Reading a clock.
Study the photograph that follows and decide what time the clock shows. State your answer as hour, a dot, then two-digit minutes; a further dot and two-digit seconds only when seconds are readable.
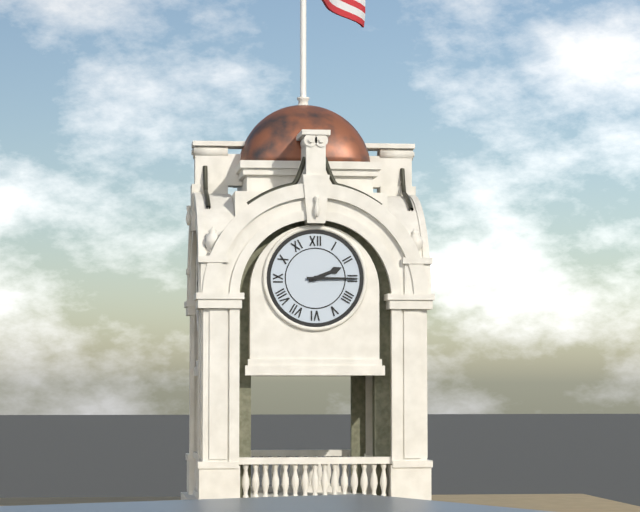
2.15
